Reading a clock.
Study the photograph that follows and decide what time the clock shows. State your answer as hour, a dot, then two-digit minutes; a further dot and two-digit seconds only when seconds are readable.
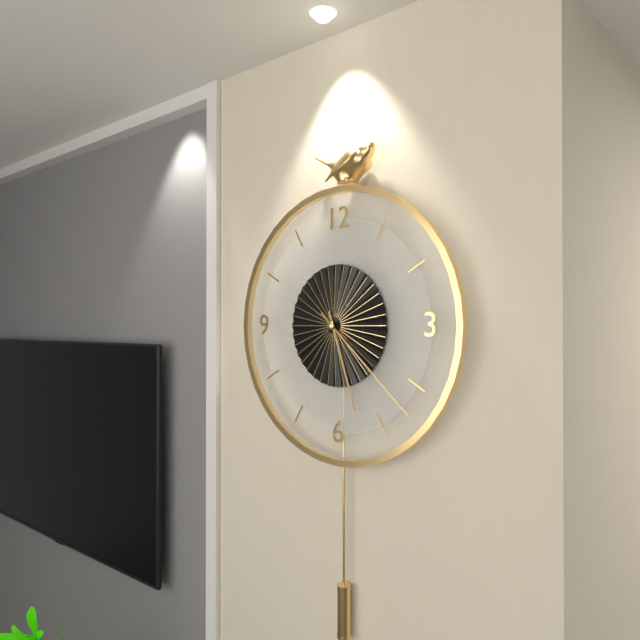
5.22
